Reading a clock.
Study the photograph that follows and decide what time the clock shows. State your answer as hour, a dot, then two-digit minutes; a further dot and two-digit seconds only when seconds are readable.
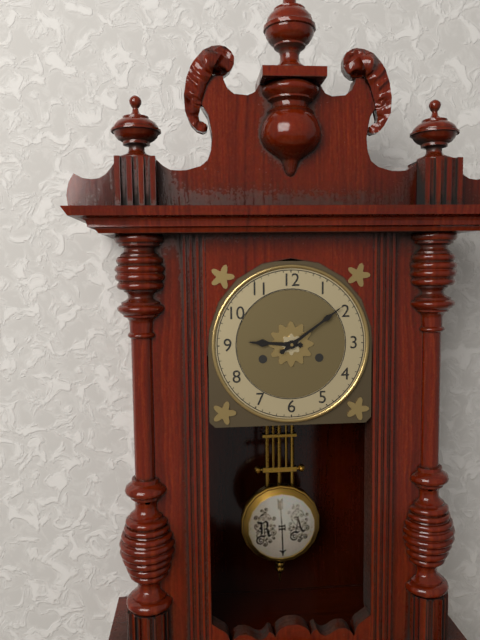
9.09
